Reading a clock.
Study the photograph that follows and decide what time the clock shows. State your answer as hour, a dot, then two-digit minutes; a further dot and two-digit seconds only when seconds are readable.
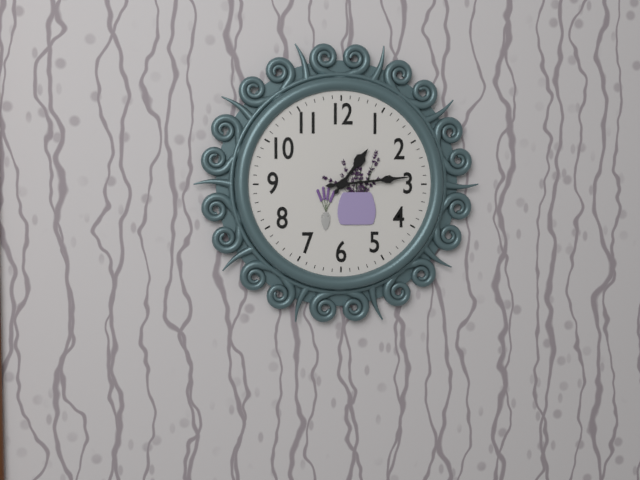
1.14
